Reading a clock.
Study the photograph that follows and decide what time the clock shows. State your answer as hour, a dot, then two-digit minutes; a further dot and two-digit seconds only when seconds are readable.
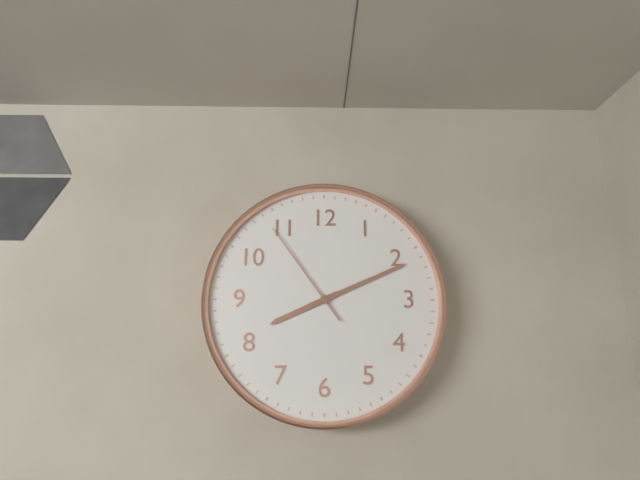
8.11.54
